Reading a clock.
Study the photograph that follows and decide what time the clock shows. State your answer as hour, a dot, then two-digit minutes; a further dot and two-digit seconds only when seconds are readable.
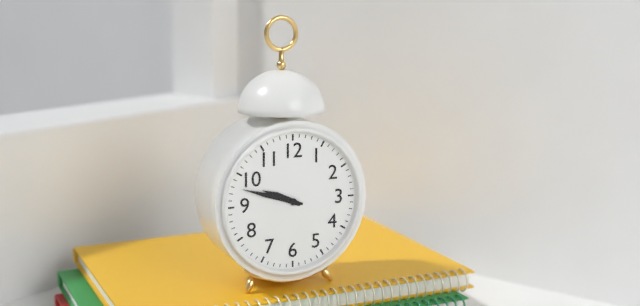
9.48
